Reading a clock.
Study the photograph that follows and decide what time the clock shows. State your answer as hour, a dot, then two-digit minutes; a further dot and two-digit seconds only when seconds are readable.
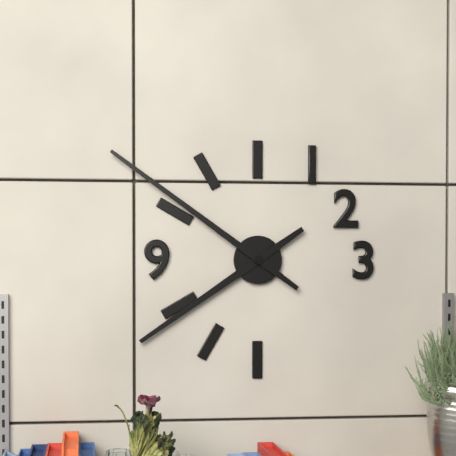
7.51
